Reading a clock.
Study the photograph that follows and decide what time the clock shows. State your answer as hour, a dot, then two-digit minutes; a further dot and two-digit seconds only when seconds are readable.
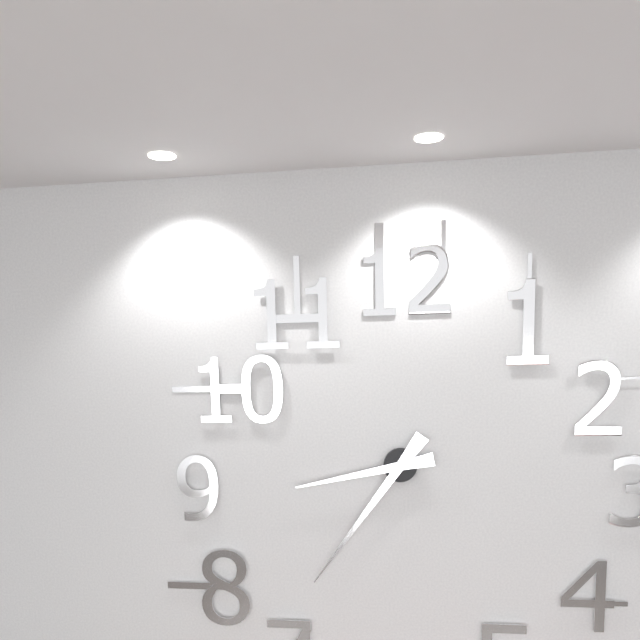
8.36
